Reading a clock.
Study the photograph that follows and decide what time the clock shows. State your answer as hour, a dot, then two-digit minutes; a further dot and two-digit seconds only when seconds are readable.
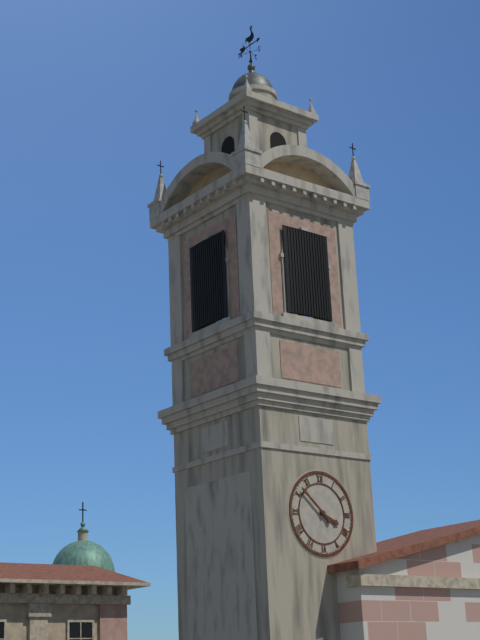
3.52
